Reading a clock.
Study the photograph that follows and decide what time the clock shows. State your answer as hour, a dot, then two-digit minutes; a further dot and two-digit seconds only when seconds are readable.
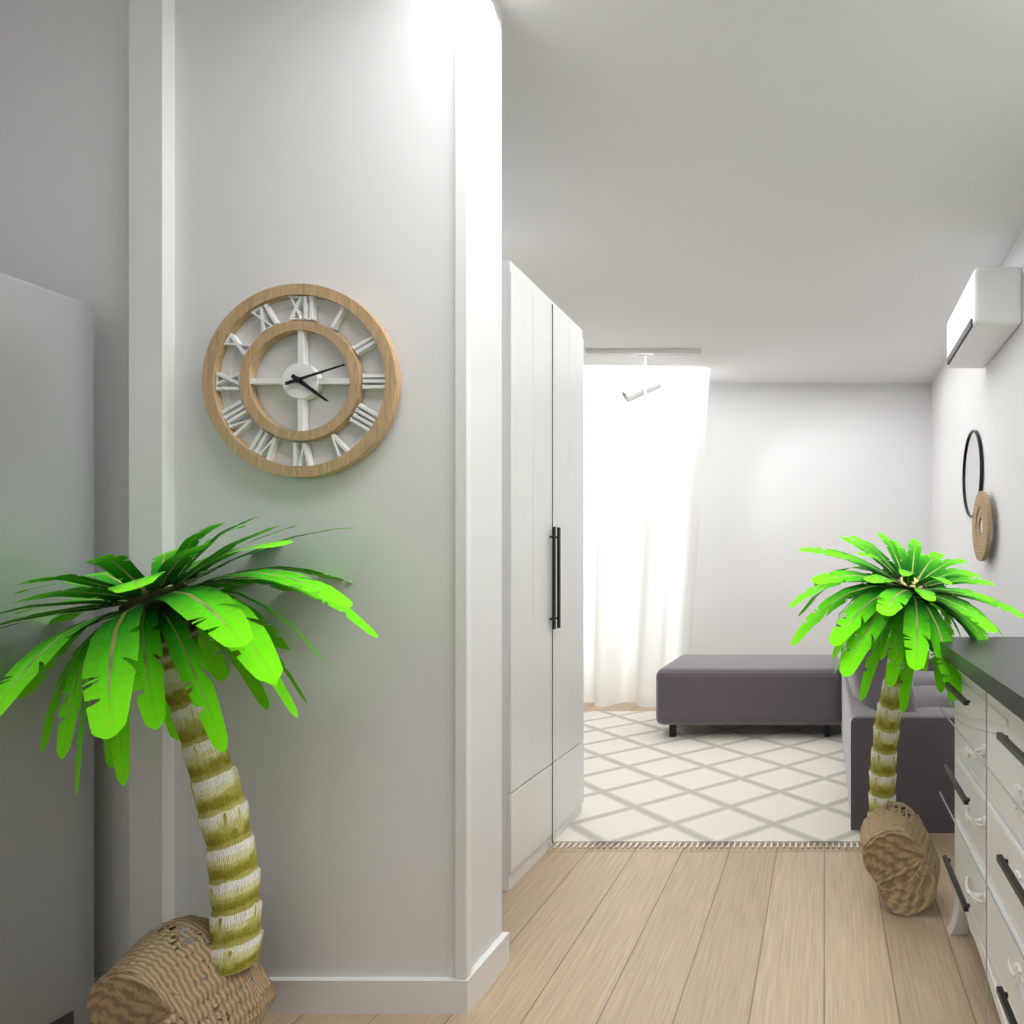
4.12
